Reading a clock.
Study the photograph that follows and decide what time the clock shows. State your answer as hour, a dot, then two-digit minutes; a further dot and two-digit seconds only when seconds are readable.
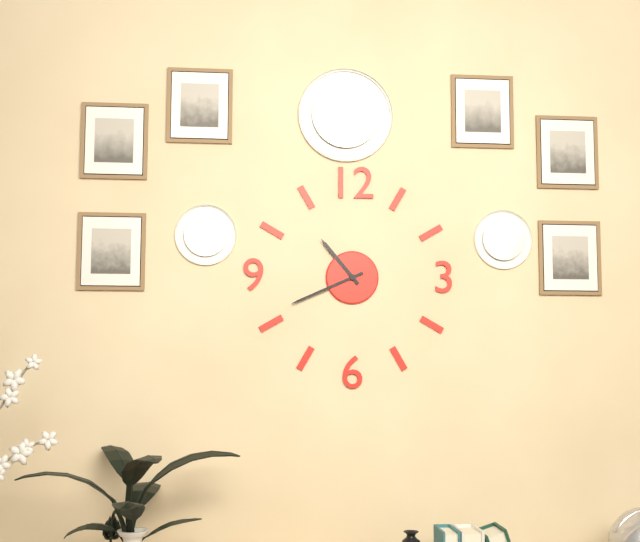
10.41
